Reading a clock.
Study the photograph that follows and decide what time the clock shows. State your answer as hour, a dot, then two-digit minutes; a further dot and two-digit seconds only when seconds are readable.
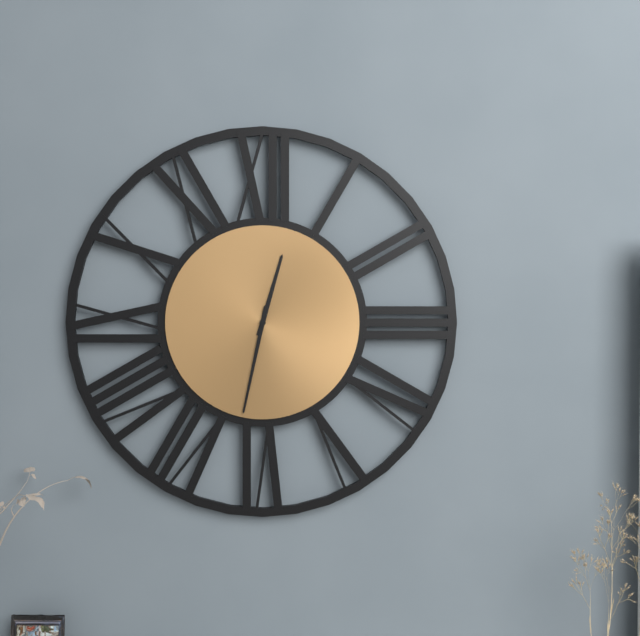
12.32
